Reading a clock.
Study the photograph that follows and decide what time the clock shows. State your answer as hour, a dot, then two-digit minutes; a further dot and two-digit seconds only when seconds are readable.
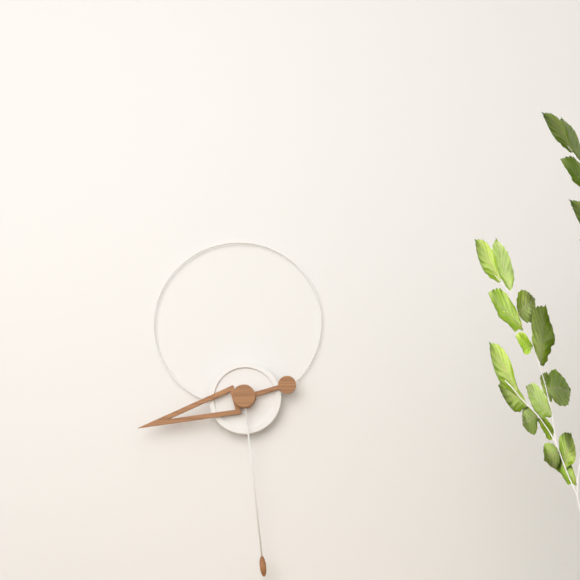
8.29
